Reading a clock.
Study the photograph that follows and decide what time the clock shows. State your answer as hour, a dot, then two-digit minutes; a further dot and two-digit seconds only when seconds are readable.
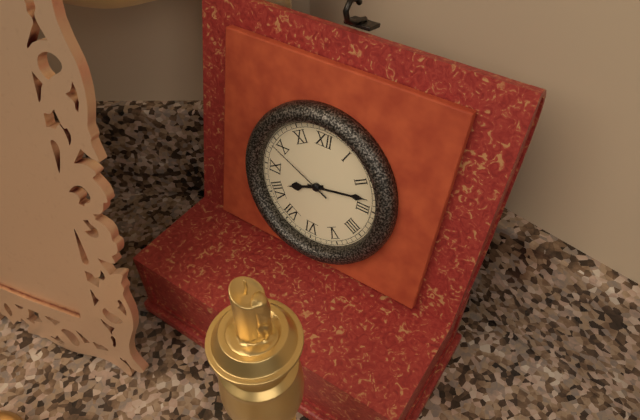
8.13.49
